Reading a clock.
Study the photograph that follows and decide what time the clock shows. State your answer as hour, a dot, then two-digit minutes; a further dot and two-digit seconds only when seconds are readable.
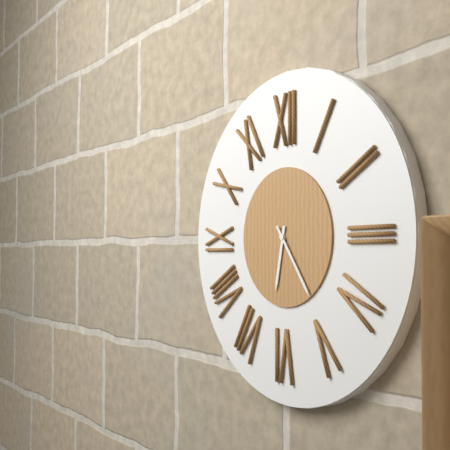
6.24
